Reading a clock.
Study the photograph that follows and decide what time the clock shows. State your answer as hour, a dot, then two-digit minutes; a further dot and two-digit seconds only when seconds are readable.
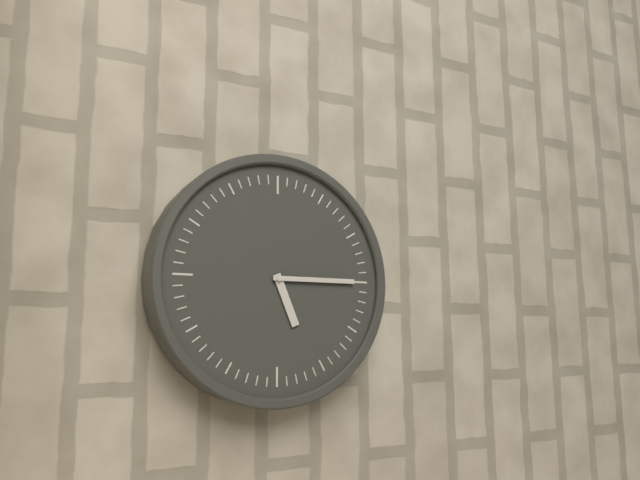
5.15
